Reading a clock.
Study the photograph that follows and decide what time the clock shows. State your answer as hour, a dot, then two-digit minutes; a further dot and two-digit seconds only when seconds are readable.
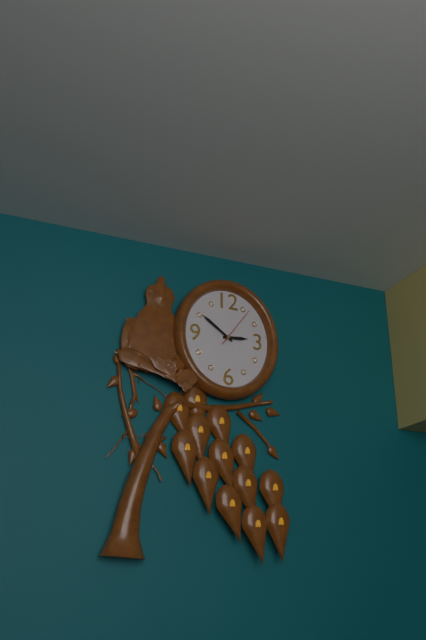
2.51
